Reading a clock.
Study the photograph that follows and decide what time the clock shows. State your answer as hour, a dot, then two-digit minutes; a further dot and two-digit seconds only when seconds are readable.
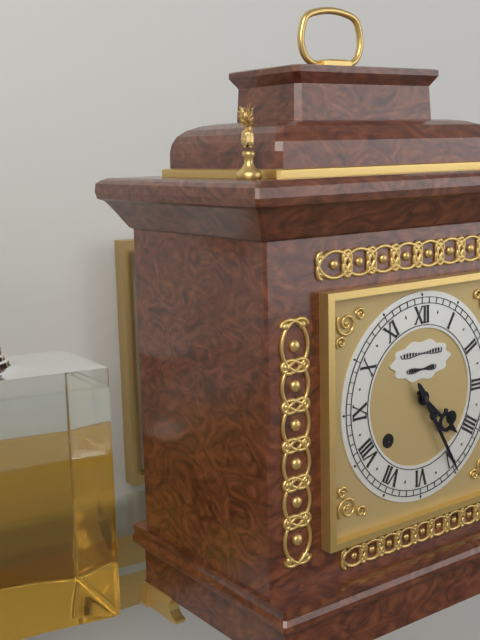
4.25
